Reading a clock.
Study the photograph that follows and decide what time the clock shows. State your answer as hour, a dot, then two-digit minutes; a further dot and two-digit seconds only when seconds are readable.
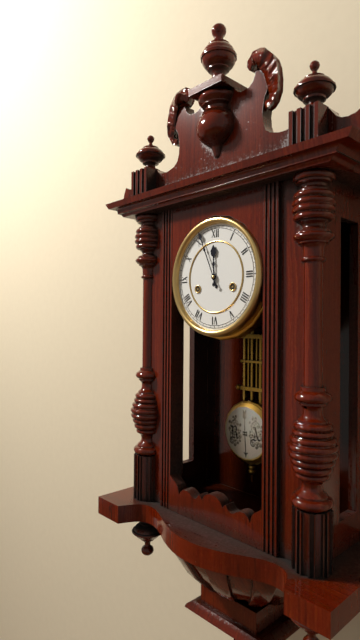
11.56
